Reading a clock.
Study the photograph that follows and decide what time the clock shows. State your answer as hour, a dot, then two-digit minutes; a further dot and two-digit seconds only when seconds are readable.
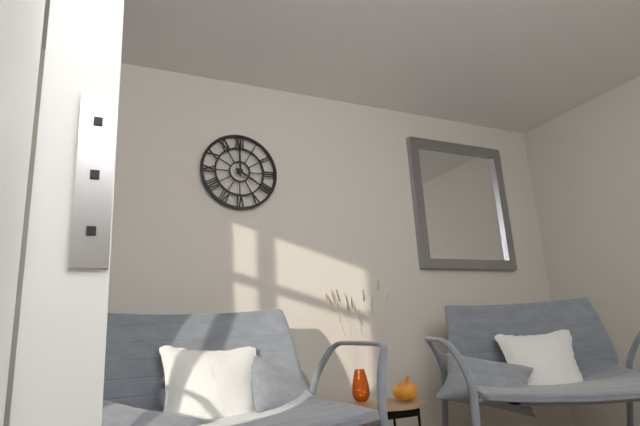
4.00
